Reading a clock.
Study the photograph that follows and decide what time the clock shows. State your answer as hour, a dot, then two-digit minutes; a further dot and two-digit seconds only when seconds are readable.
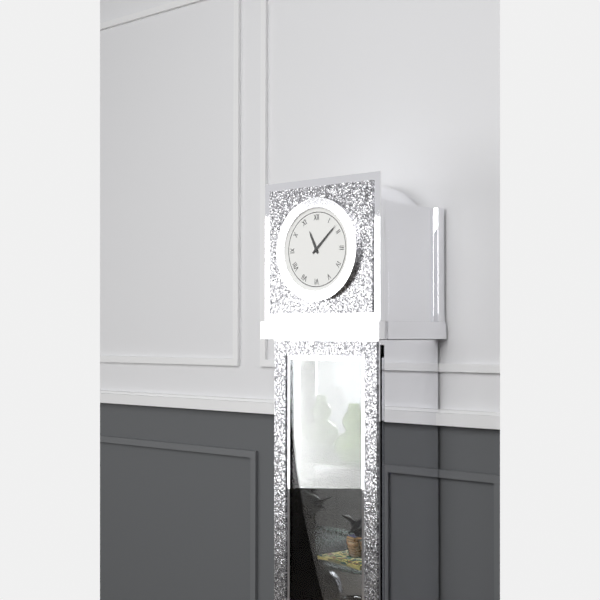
11.08
